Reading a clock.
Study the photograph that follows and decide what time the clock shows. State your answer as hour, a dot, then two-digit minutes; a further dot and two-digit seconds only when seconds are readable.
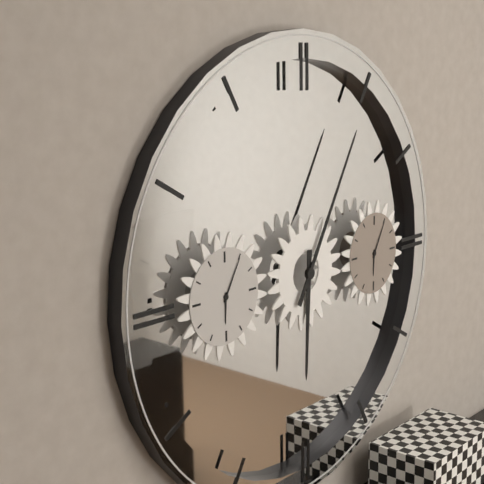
6.05
